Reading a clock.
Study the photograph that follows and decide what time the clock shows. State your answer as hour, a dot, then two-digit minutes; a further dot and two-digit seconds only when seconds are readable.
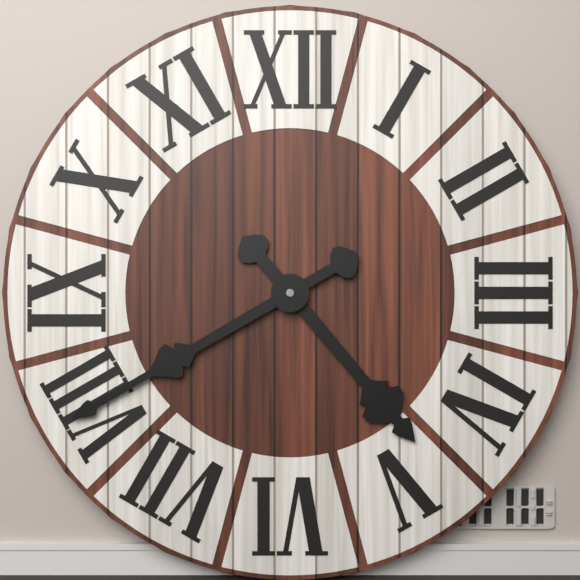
4.40
